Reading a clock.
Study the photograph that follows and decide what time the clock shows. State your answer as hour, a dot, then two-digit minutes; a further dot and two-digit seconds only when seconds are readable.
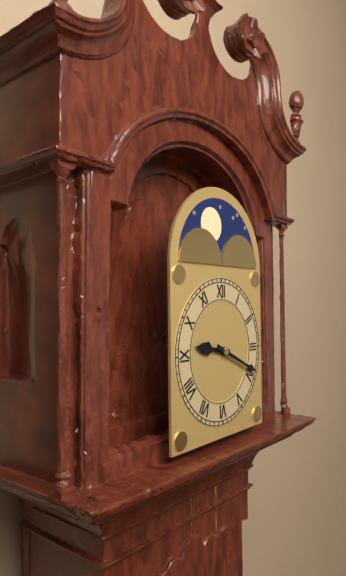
9.19
